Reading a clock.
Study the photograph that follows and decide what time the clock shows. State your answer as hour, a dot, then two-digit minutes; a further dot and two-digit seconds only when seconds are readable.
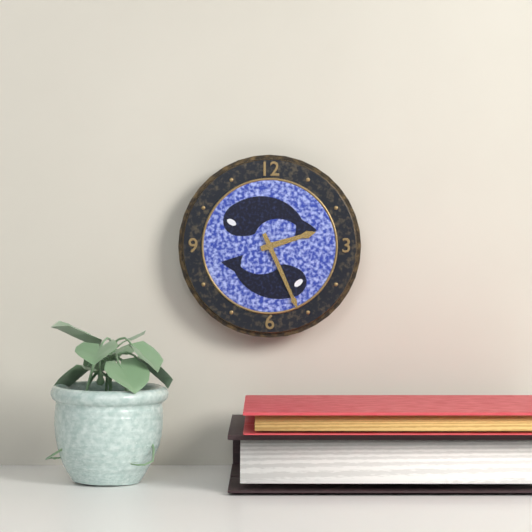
2.26
